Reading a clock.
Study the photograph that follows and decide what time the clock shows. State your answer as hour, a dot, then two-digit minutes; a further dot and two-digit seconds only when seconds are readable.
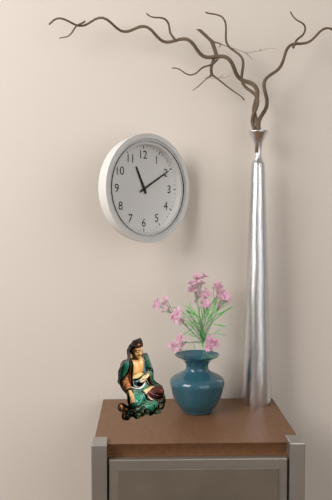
11.10
